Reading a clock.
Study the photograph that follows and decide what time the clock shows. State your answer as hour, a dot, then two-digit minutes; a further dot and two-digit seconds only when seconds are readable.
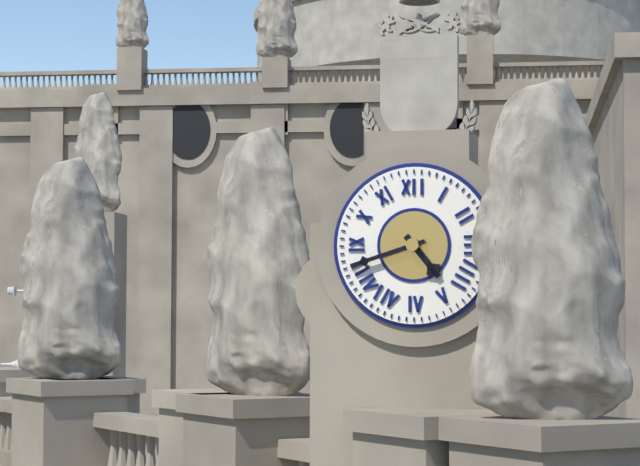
4.42
